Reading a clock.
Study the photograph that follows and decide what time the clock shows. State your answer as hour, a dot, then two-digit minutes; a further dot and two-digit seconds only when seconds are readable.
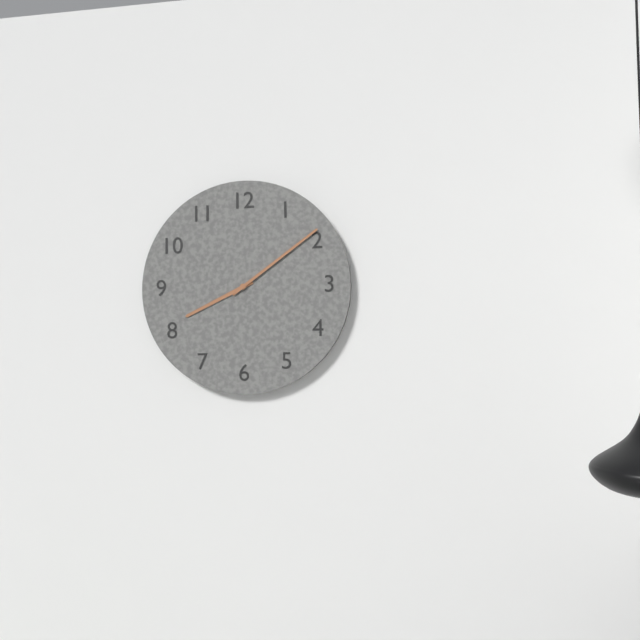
8.09
